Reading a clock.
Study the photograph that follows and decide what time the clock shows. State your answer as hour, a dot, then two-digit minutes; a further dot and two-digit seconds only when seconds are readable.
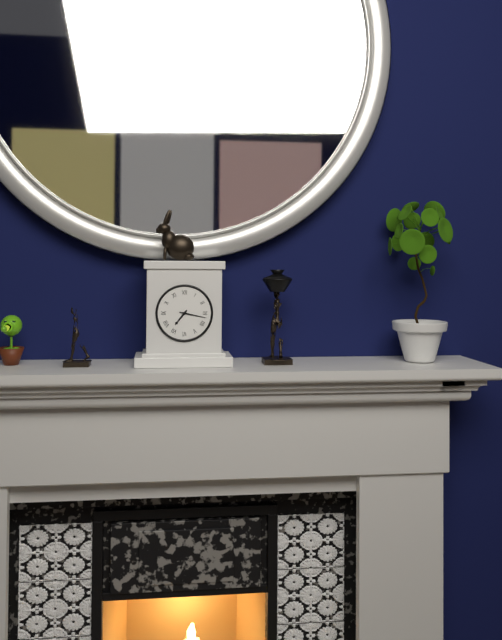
7.17
